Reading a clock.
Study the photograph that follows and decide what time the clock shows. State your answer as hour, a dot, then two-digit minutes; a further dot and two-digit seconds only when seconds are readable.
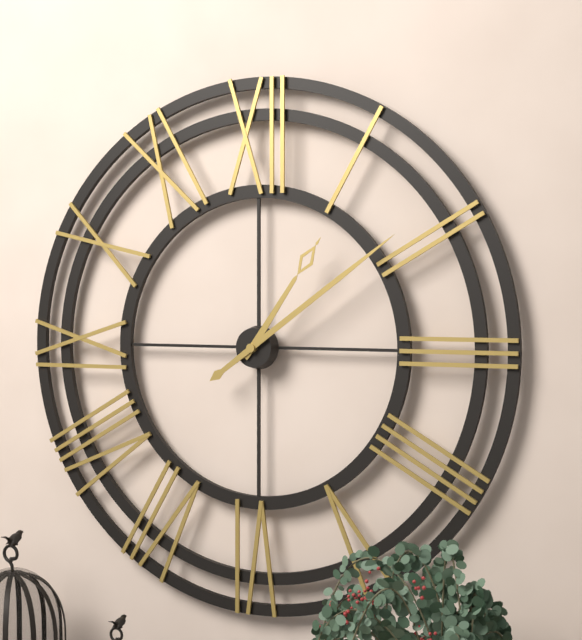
1.09
